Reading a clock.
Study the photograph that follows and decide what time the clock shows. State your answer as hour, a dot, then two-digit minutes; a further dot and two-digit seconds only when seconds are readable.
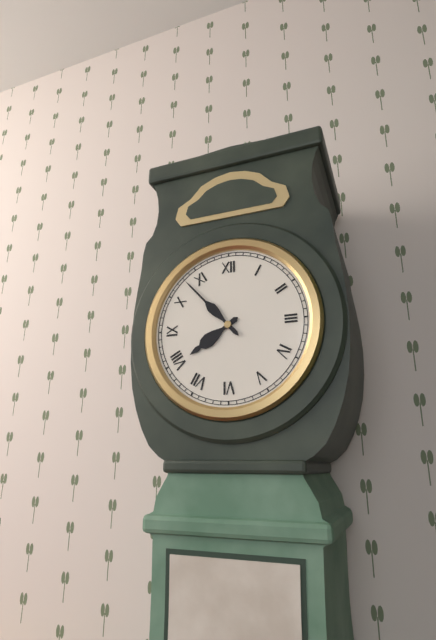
7.53
